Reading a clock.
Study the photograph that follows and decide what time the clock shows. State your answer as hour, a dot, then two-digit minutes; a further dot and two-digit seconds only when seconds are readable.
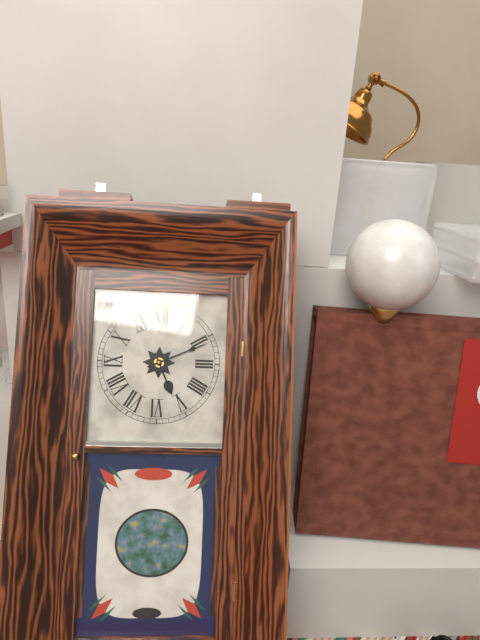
5.11
